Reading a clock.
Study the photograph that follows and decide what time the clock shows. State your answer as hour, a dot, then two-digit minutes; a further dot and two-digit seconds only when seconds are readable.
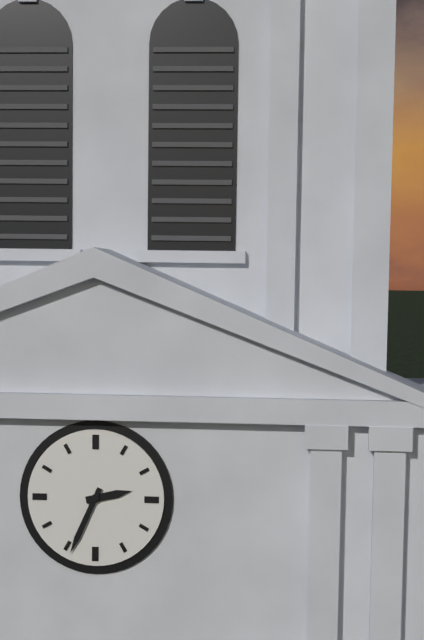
2.34
